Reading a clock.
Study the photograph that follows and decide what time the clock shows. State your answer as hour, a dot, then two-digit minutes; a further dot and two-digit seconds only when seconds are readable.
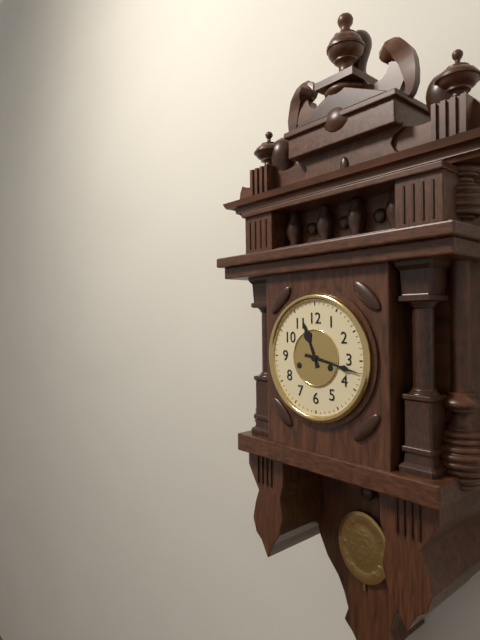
11.17
